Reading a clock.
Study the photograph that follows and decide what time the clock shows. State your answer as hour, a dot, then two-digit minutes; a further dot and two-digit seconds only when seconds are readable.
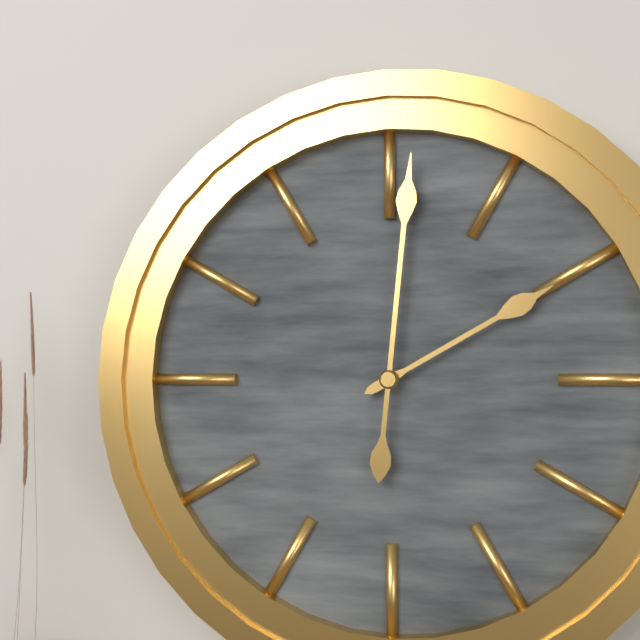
2.01
